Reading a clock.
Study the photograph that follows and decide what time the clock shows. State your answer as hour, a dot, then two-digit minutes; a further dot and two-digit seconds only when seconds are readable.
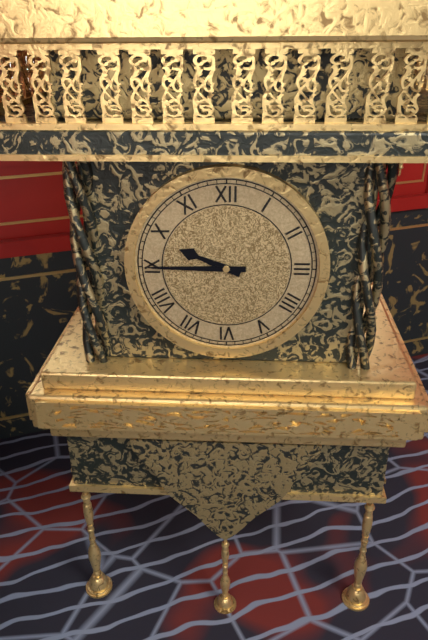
9.45
